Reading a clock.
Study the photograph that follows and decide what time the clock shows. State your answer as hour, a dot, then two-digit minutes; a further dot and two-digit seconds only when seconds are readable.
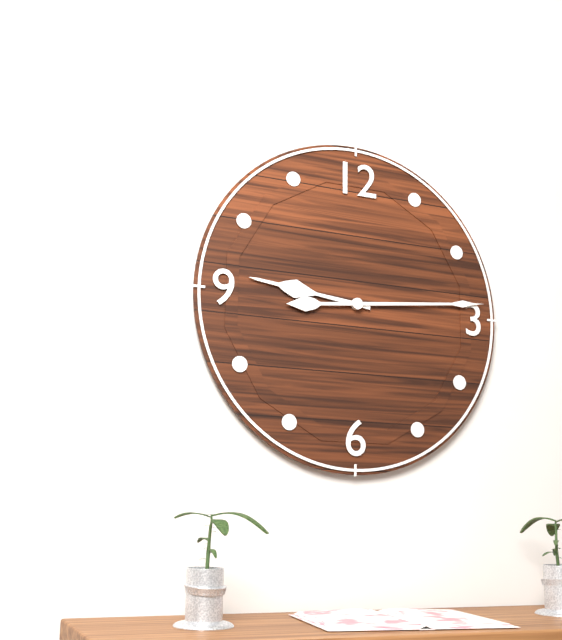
9.14
